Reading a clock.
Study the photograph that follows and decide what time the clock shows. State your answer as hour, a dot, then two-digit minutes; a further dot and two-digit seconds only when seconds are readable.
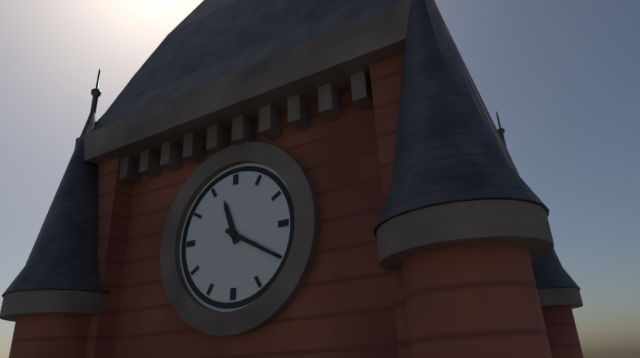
11.20
